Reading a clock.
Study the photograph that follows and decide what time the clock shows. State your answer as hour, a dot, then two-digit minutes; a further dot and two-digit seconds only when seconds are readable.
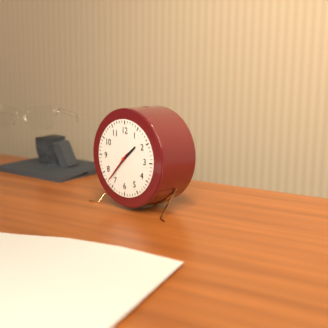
1.37
